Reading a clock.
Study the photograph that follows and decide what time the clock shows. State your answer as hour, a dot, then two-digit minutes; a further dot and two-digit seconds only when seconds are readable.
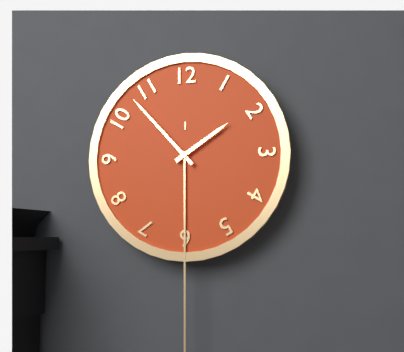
1.53
